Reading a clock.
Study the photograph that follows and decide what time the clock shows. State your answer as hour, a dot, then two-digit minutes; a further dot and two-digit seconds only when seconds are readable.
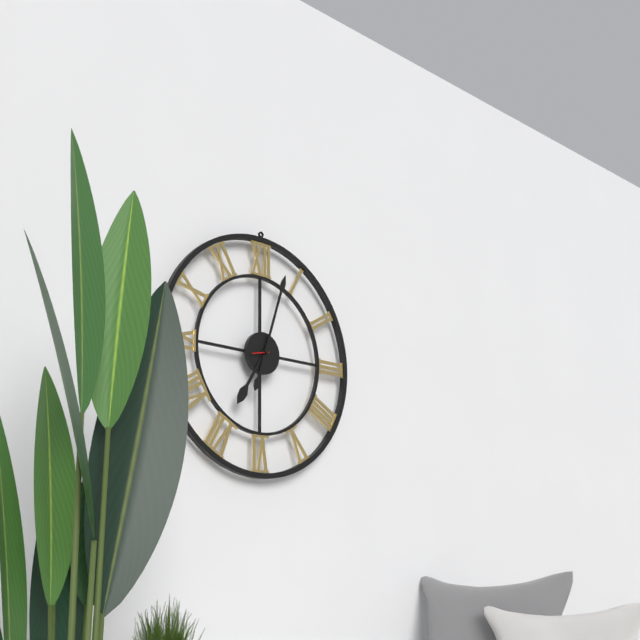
7.03
